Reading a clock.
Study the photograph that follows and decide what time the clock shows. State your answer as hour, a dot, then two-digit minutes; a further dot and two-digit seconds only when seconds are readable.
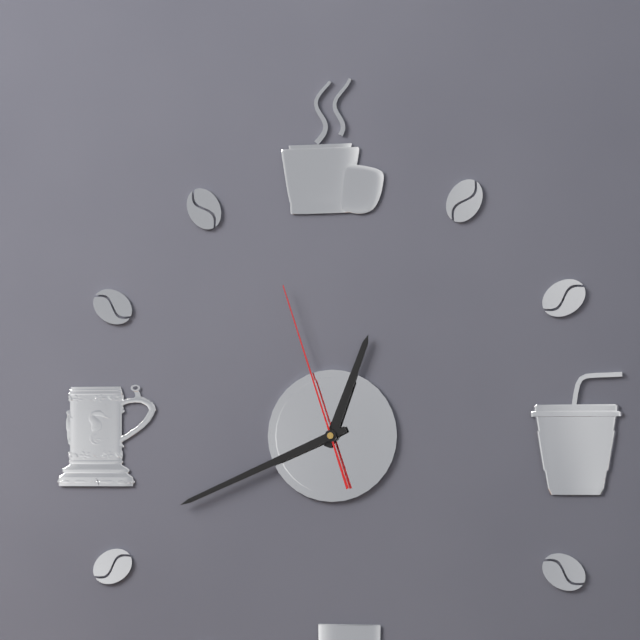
12.41.57
